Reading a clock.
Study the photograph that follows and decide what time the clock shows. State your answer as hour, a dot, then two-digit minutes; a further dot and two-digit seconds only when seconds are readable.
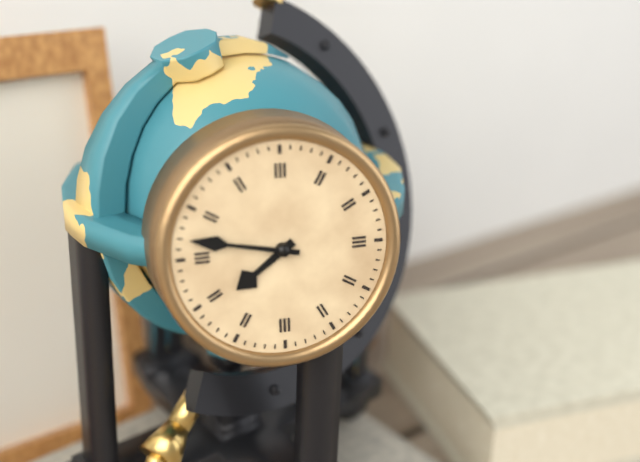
7.47
